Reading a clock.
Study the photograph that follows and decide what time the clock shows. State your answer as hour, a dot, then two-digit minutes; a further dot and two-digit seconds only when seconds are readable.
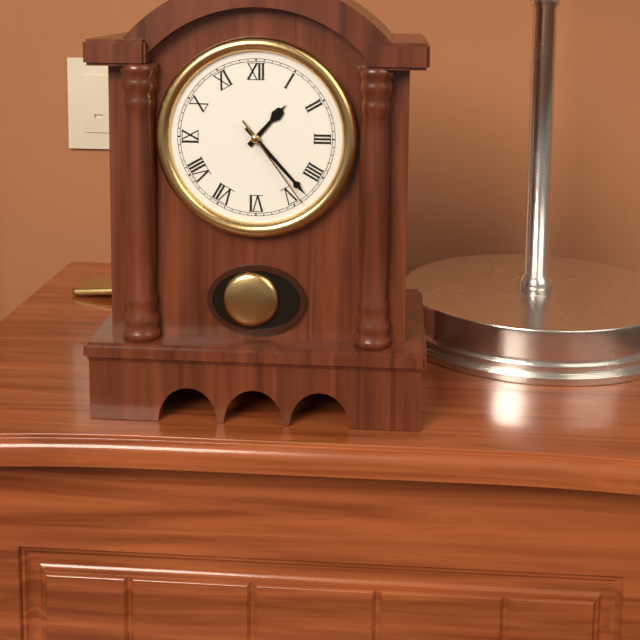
1.23.24
